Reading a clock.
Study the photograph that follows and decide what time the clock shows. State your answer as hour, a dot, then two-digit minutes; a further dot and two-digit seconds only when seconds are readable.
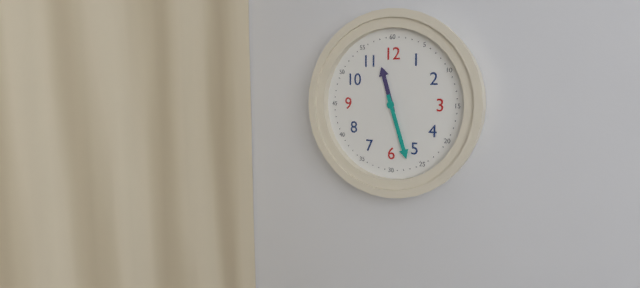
11.27
